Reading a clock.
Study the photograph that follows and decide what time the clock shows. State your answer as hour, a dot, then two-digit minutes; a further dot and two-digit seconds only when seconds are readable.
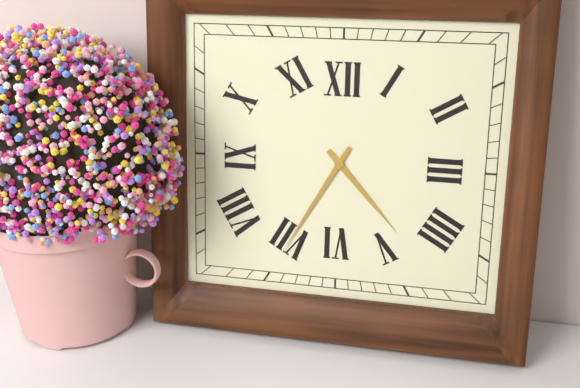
4.35
